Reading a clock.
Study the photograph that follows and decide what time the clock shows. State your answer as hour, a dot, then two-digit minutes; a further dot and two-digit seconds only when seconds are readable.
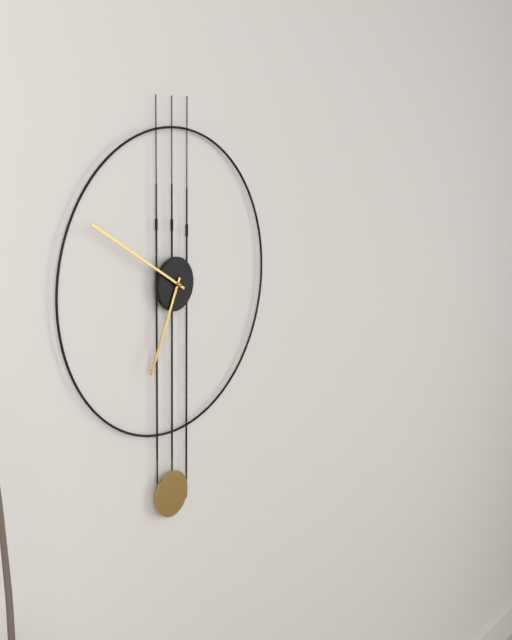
6.50
